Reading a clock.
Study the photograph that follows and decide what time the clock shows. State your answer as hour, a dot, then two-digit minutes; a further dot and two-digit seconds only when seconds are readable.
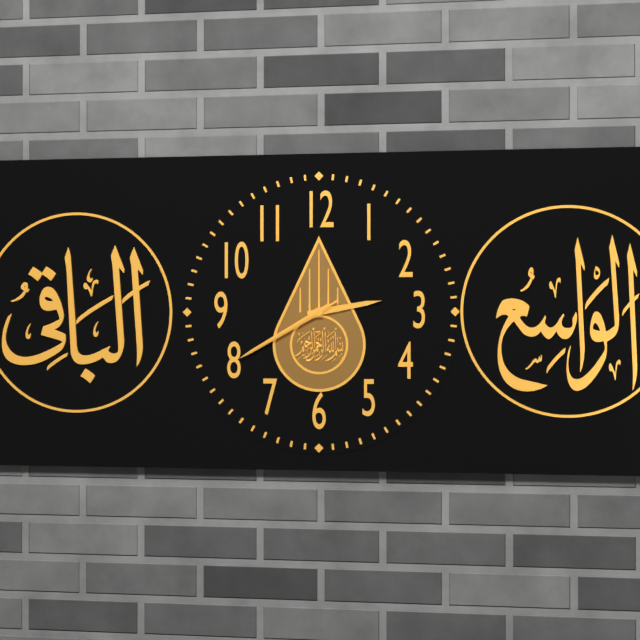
2.40.40
